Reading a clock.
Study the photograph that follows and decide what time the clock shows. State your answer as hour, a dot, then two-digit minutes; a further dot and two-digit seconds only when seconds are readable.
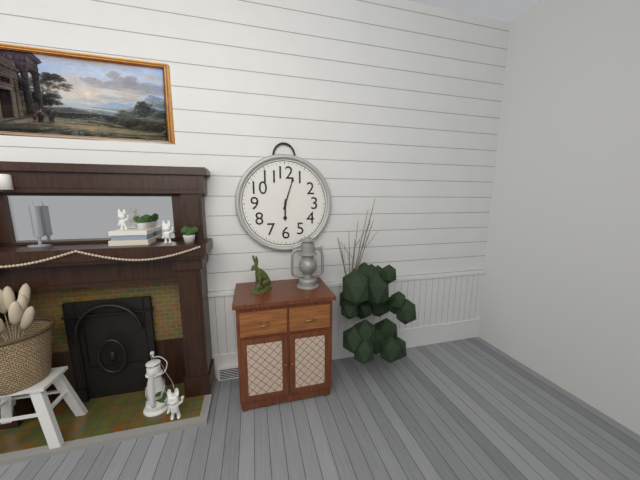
6.03
